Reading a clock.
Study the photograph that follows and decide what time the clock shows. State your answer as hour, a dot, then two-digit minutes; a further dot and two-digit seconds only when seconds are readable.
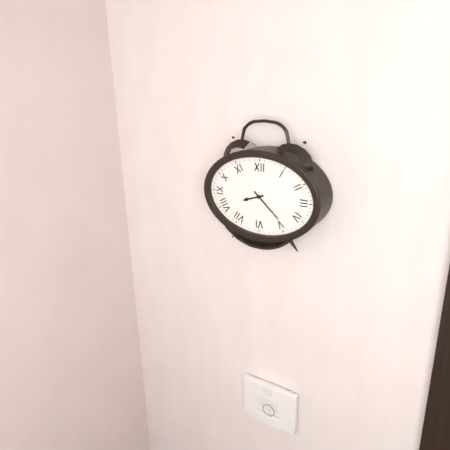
8.22
